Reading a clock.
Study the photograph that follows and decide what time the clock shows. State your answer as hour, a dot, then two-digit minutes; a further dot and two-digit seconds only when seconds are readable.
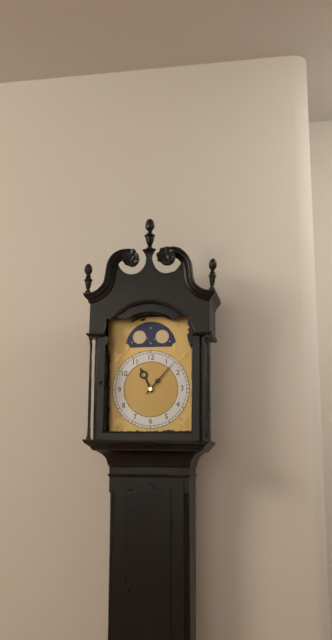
11.07
